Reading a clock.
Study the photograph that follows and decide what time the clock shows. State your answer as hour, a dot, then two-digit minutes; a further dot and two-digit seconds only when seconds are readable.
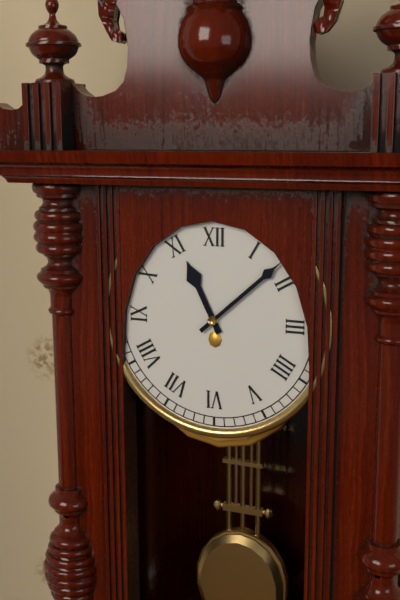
11.08
